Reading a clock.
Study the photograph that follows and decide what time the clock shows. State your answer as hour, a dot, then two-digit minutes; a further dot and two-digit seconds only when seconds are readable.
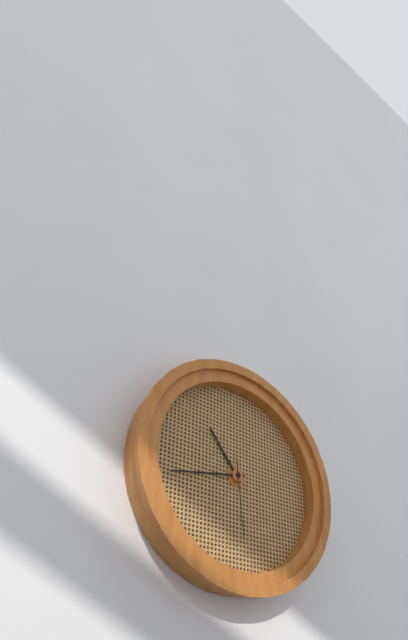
10.43.29
